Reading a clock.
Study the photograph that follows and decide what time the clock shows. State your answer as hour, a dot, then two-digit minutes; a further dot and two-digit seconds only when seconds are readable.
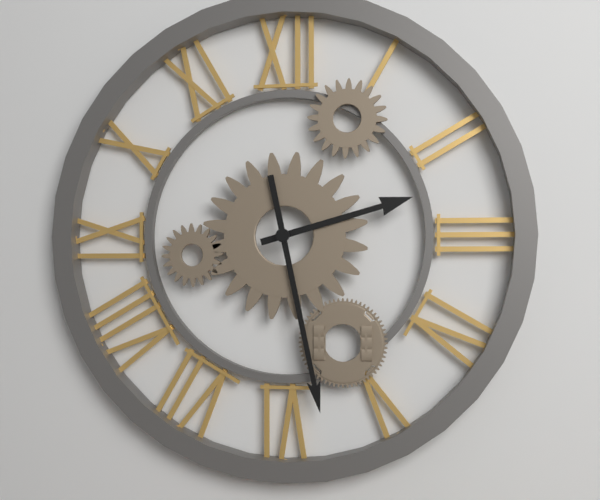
2.28
